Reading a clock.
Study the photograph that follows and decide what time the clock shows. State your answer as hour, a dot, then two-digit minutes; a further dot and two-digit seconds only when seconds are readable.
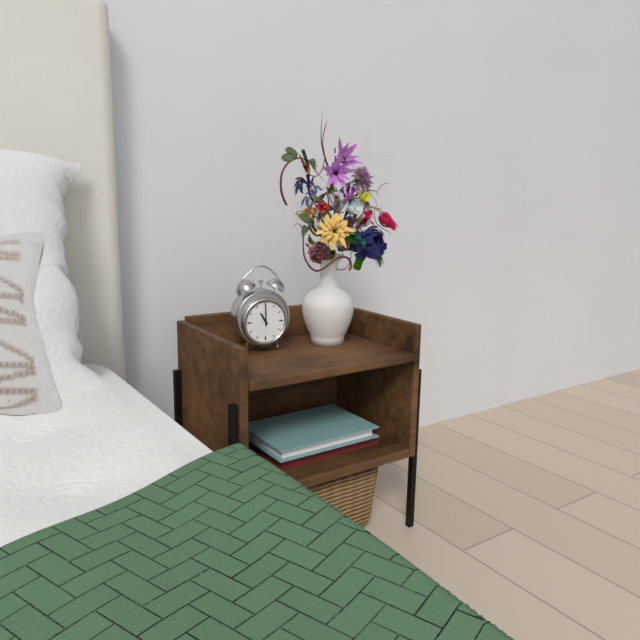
11.00
